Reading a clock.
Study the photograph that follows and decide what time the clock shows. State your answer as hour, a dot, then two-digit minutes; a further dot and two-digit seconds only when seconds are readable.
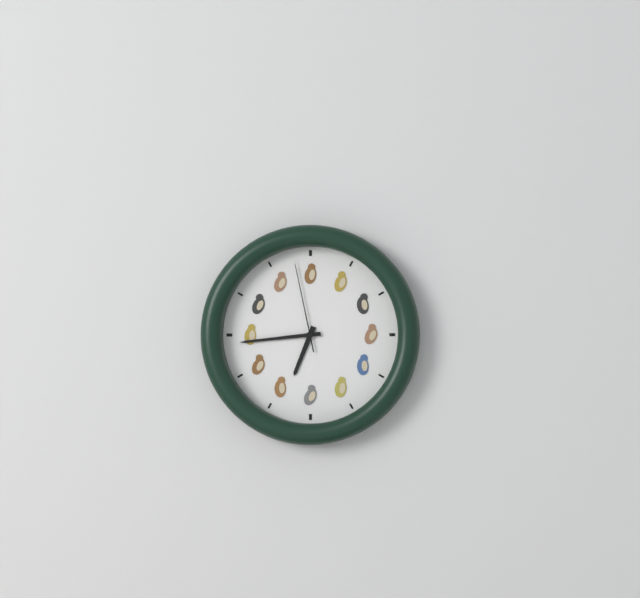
6.44.58
